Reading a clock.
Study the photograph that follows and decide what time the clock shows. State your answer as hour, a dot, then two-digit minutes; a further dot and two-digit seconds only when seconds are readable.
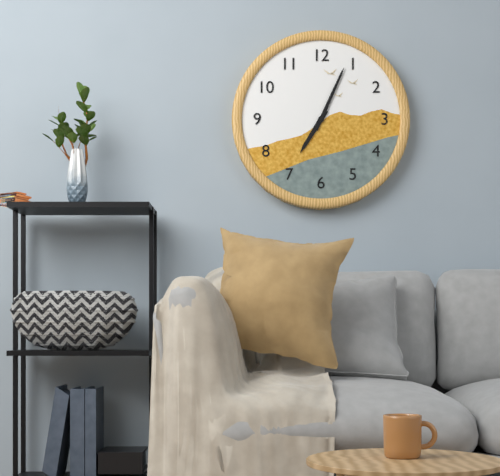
7.04
